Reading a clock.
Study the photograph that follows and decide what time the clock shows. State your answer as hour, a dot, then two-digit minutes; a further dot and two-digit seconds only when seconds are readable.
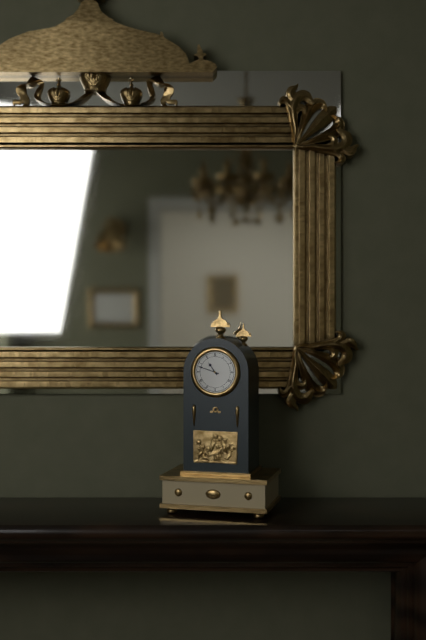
10.48
